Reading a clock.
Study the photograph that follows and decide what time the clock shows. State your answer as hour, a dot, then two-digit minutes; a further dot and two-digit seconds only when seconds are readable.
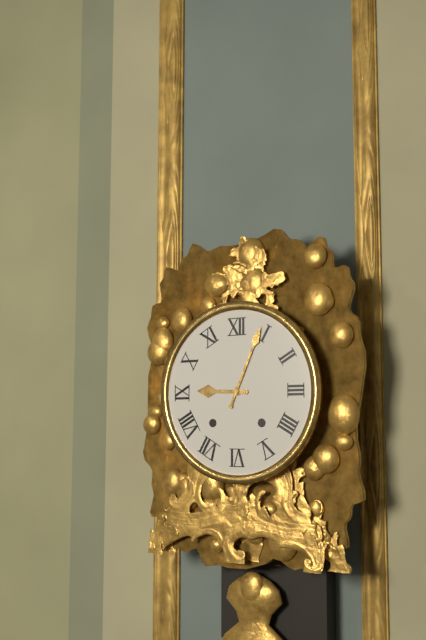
9.04
